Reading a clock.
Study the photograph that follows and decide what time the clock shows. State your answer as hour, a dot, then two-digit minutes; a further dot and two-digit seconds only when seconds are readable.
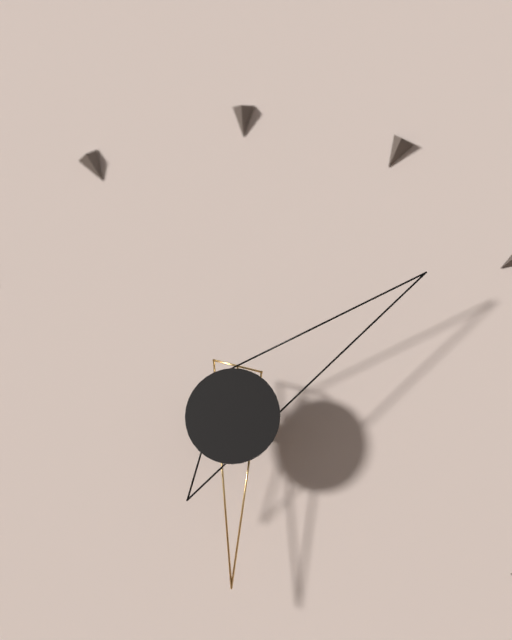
6.09
